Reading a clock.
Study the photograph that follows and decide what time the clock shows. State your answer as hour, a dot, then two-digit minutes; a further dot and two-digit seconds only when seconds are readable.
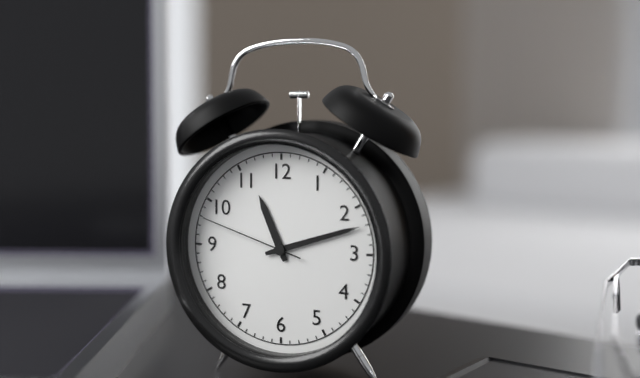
11.12.48
